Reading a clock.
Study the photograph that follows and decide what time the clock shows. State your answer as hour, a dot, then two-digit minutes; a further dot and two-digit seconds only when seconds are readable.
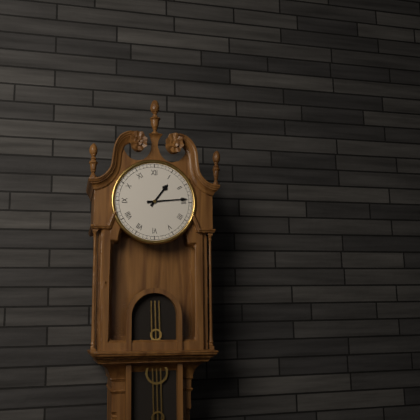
1.14
